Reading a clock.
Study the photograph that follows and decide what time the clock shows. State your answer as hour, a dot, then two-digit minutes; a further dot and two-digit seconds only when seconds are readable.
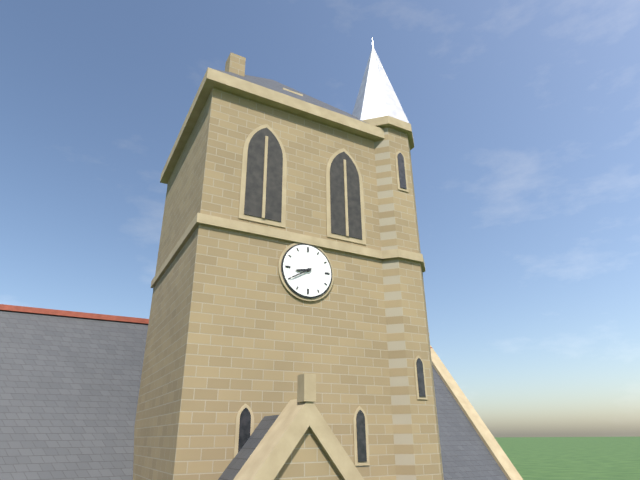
8.40
